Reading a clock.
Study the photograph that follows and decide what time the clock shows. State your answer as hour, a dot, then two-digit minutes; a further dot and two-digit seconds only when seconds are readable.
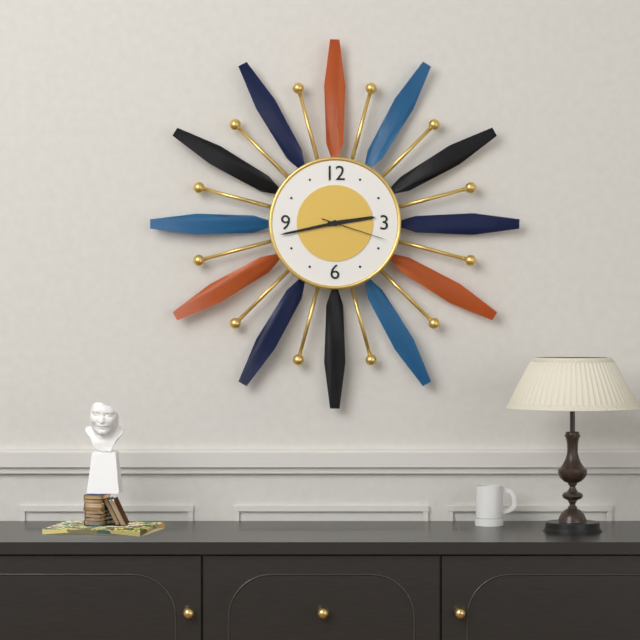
2.43.18
